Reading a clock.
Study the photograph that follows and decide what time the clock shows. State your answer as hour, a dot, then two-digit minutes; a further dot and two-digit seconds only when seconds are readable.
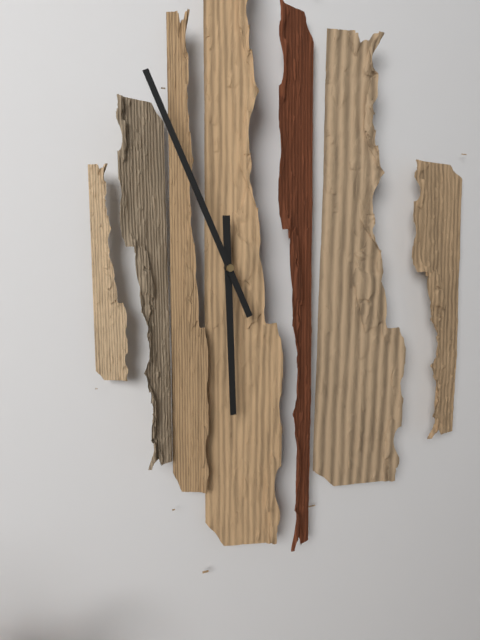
5.56
